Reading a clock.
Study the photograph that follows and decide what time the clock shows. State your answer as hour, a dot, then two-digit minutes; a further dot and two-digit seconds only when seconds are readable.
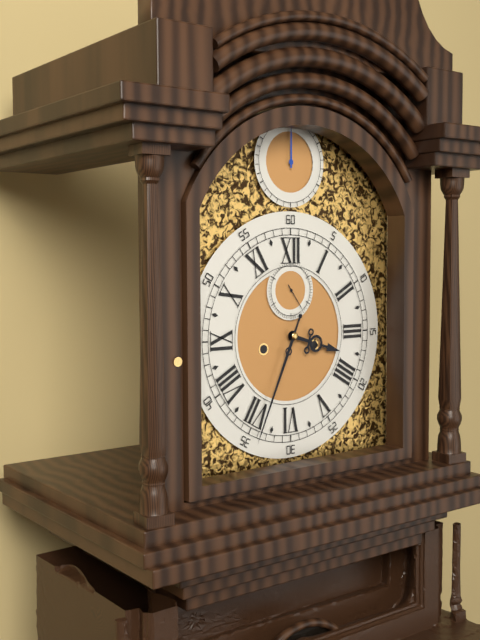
3.34
